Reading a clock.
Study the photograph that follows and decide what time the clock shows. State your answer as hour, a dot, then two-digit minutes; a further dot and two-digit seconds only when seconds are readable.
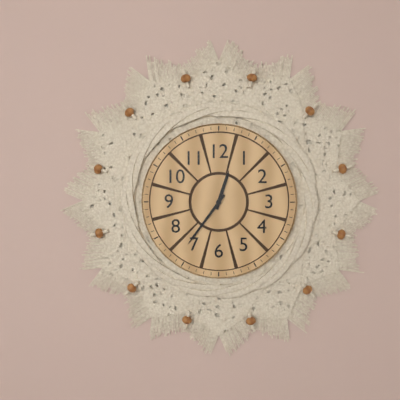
12.36
